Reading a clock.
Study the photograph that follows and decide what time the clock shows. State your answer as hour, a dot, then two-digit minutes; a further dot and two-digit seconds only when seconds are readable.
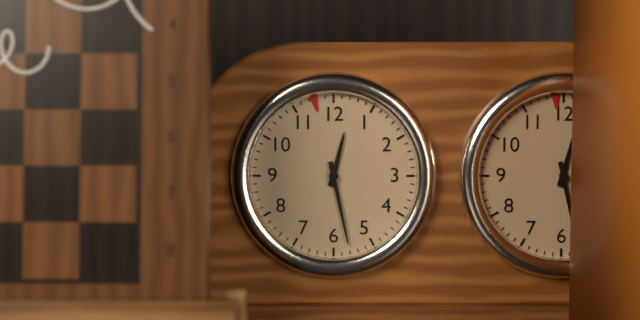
12.28
